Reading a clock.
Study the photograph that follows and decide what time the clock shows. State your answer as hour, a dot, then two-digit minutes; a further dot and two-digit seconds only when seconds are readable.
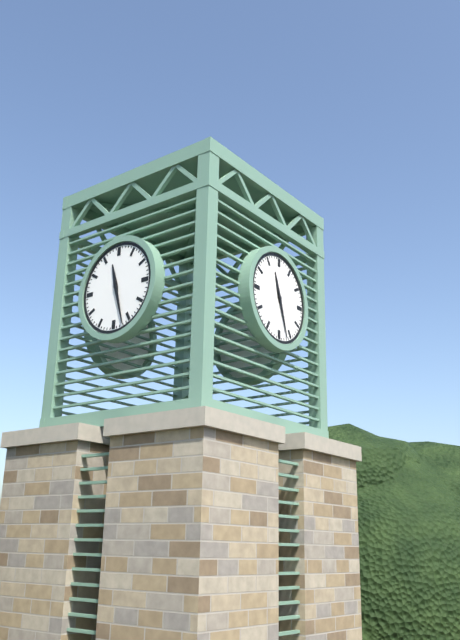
11.27
